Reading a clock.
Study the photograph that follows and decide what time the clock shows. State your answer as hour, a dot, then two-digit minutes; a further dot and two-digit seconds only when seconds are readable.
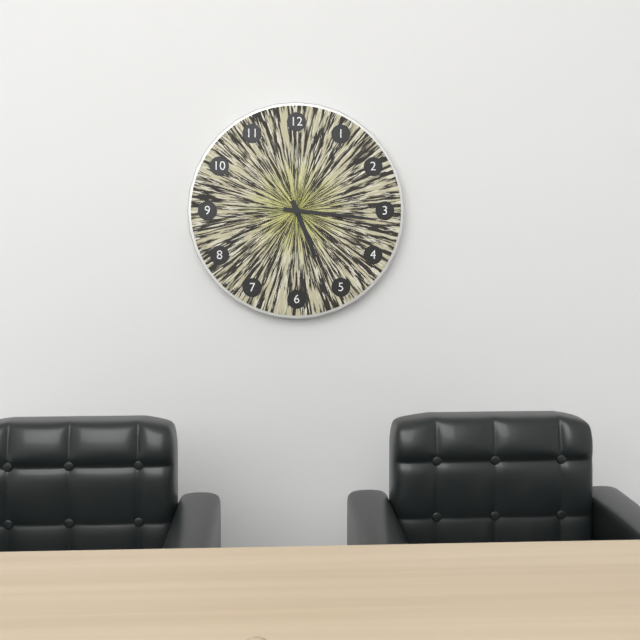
5.16
